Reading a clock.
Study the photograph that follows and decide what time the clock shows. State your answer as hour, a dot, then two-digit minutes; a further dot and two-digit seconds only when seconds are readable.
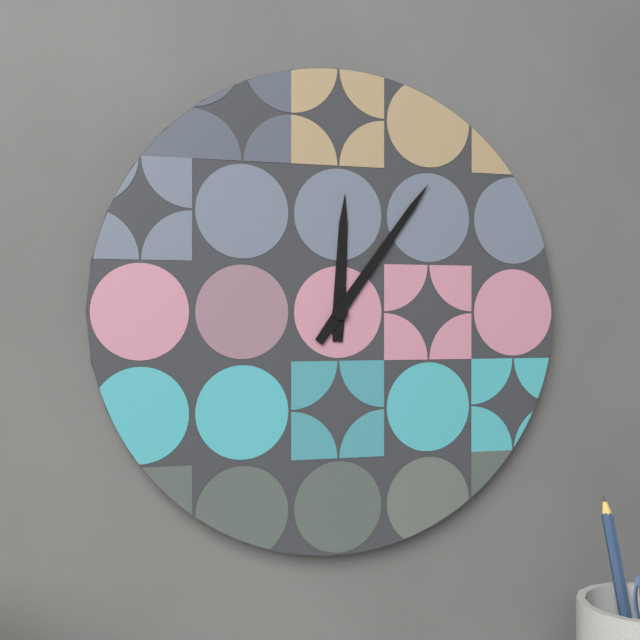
12.06
